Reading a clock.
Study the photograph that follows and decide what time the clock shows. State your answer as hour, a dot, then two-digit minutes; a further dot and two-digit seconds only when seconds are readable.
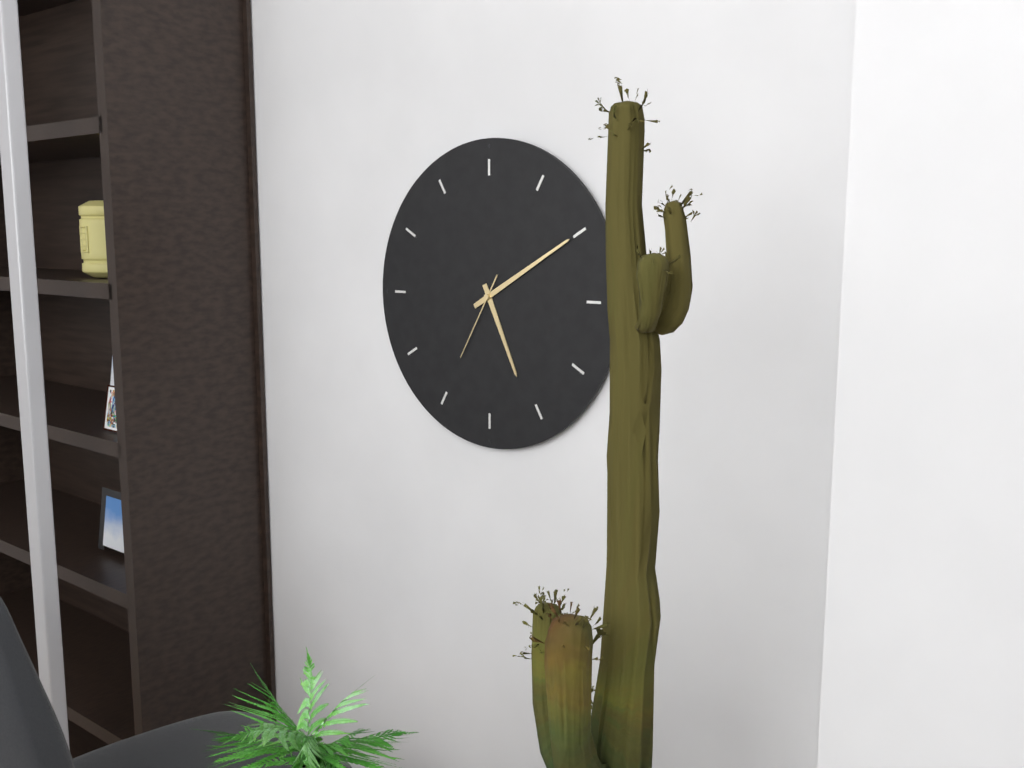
5.10.35
